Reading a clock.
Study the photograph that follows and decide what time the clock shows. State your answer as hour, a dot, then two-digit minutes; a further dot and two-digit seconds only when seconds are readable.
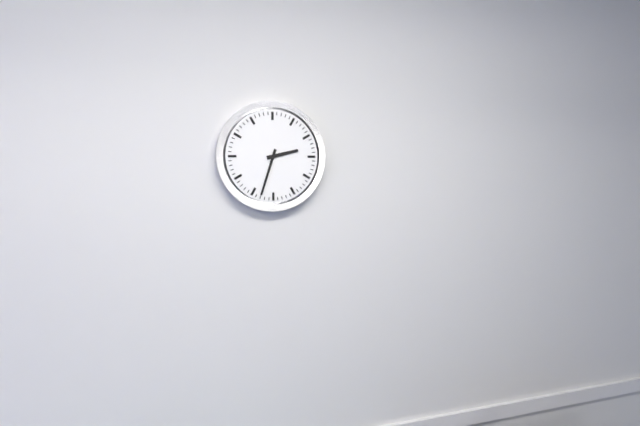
2.33
